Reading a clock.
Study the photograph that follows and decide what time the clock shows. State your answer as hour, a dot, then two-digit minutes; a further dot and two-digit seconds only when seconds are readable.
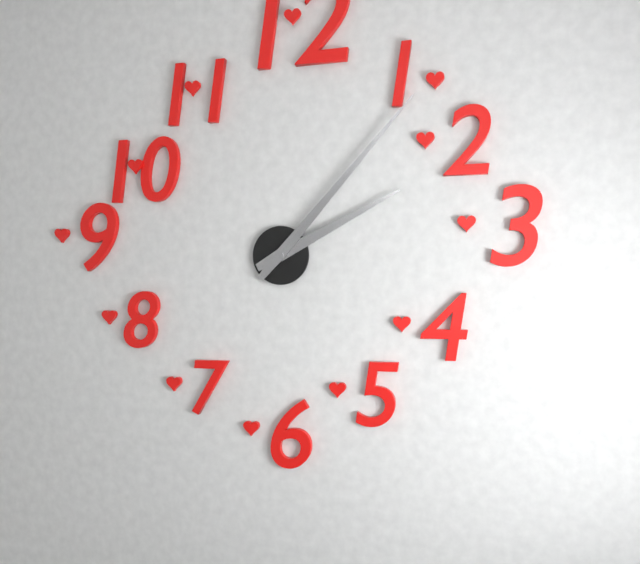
2.07
